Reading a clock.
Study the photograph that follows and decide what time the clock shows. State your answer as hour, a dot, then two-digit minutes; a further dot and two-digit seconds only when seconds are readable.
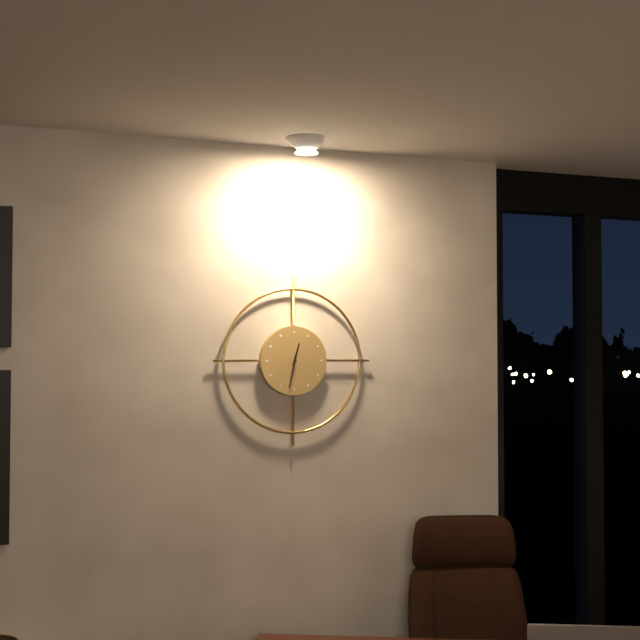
12.32
